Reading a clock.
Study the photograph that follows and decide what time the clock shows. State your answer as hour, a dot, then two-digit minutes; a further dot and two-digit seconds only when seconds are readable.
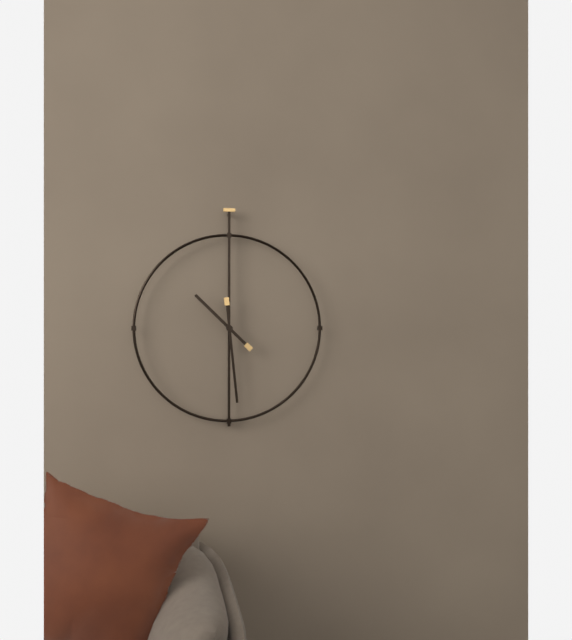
10.29
